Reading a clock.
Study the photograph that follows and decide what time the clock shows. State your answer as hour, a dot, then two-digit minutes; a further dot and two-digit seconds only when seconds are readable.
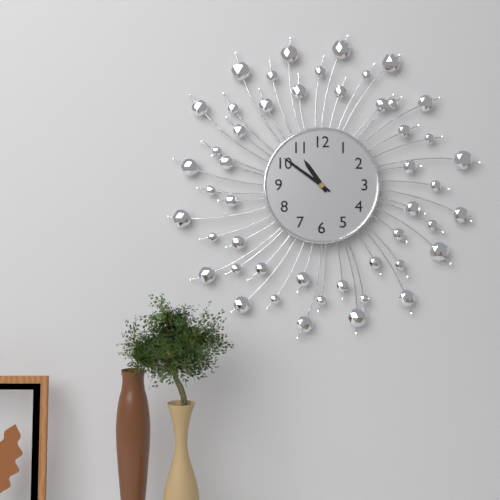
10.51
